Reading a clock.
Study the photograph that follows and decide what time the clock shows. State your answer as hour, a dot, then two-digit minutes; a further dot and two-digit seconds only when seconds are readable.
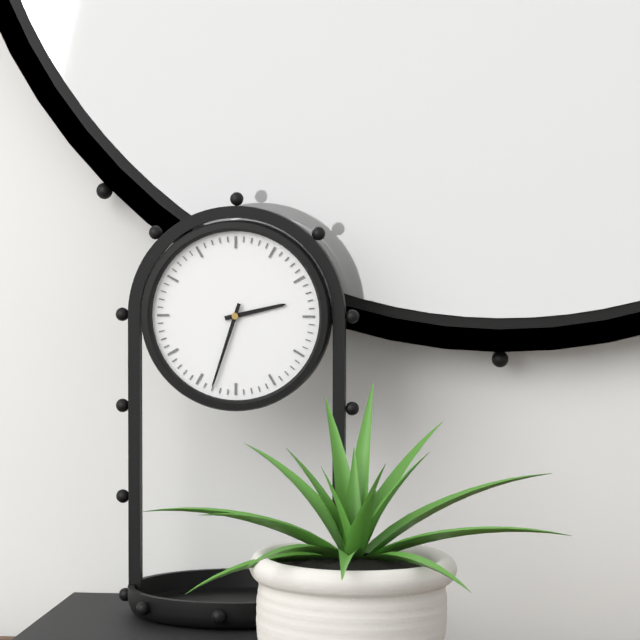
2.33
